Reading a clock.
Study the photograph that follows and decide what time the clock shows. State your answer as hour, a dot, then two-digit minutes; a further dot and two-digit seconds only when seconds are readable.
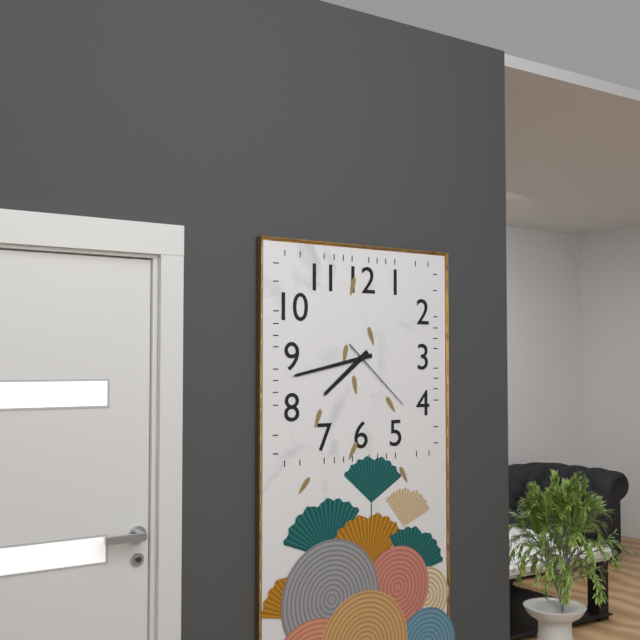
7.43.22
